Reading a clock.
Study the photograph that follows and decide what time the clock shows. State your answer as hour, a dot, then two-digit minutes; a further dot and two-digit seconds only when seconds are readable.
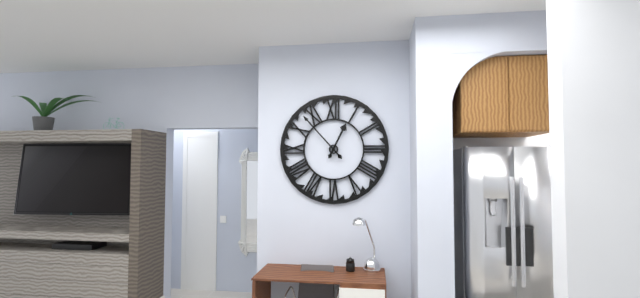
12.53
